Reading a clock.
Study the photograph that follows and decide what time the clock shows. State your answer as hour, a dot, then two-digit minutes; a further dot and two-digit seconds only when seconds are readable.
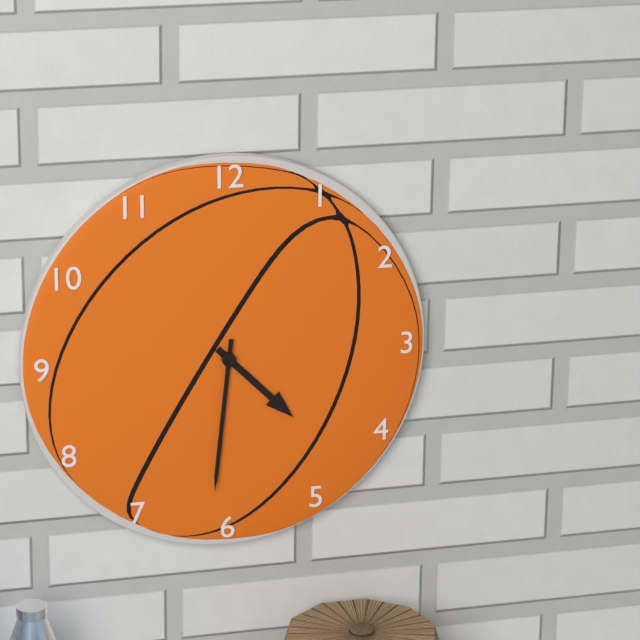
4.31
